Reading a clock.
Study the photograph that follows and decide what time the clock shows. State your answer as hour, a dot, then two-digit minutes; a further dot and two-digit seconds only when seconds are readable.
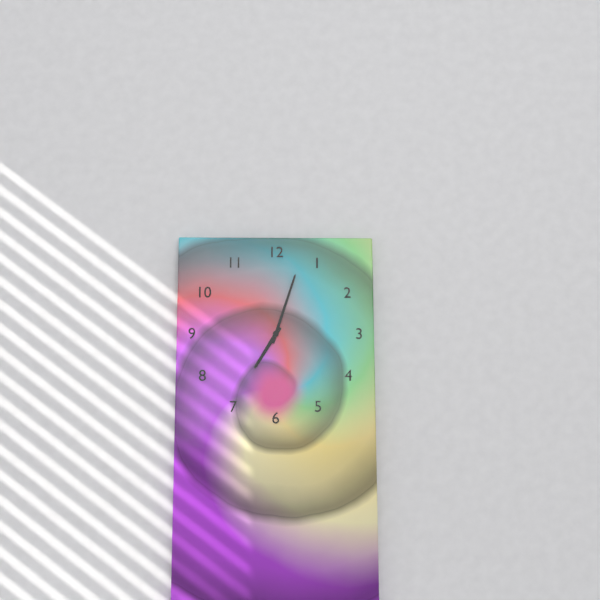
7.03
